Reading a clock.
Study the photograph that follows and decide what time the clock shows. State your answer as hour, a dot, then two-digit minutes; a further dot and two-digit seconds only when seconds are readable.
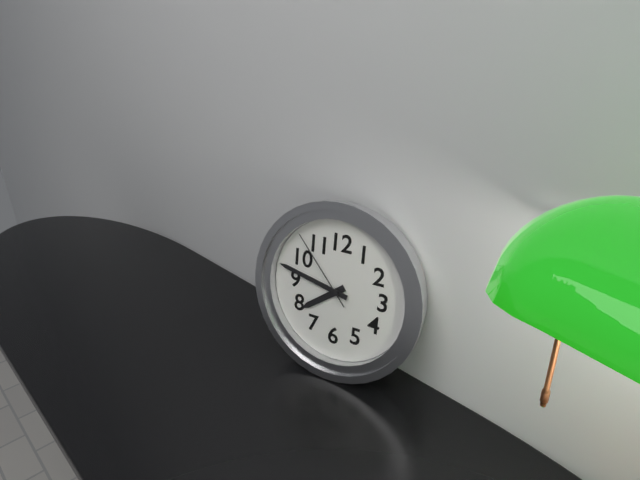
7.47.53
